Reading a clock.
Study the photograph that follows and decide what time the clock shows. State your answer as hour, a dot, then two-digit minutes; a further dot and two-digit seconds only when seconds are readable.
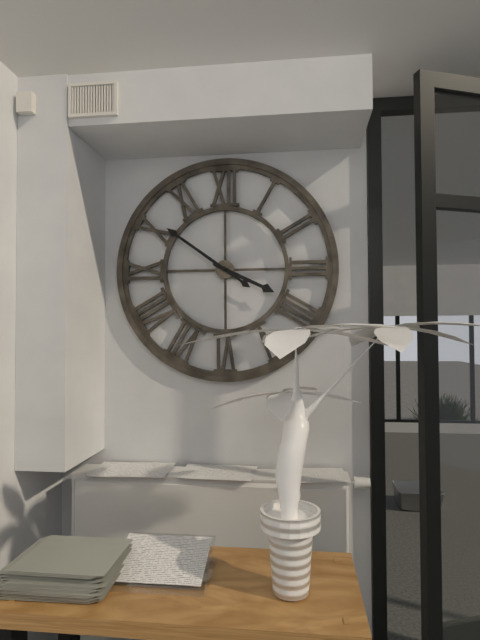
3.51
